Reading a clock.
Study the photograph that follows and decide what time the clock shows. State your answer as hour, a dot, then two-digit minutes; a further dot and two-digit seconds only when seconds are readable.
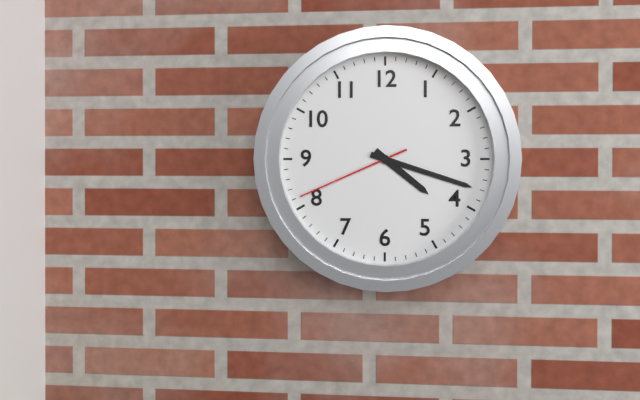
4.18.41
